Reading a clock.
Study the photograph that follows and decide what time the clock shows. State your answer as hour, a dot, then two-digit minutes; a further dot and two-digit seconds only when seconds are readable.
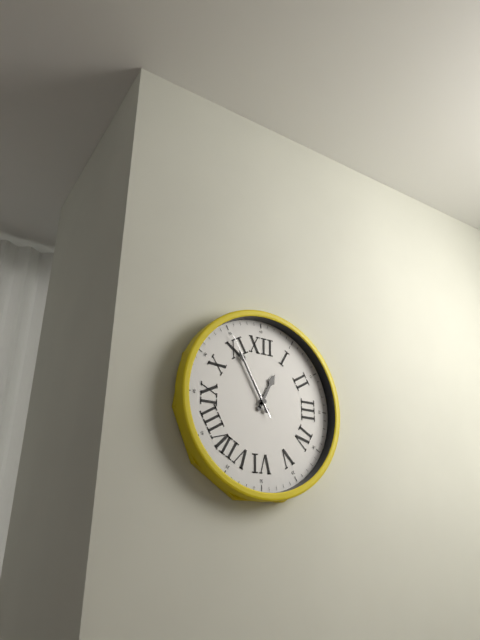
12.55.55
